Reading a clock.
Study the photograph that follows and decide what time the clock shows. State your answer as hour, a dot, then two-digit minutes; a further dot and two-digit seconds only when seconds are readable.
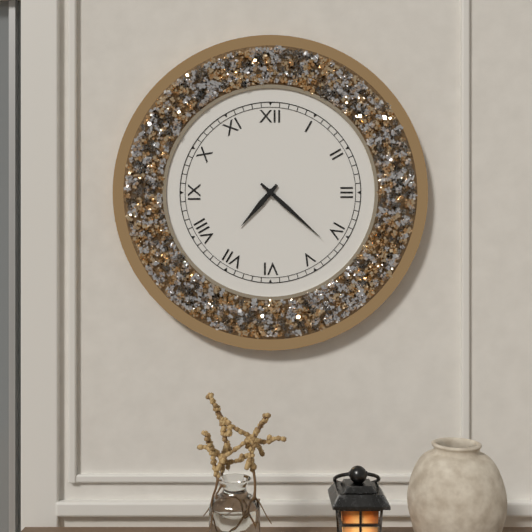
7.22
